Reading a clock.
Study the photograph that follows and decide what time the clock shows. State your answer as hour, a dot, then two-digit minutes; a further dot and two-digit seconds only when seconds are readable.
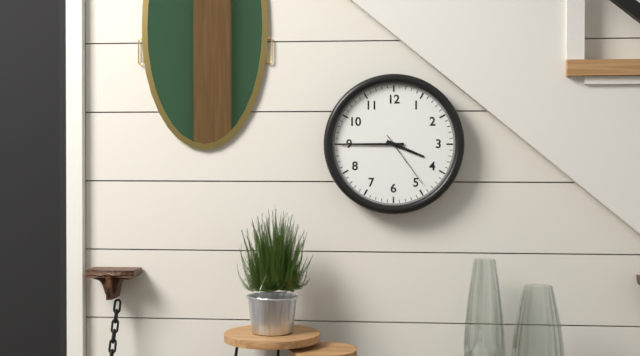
3.45.24
